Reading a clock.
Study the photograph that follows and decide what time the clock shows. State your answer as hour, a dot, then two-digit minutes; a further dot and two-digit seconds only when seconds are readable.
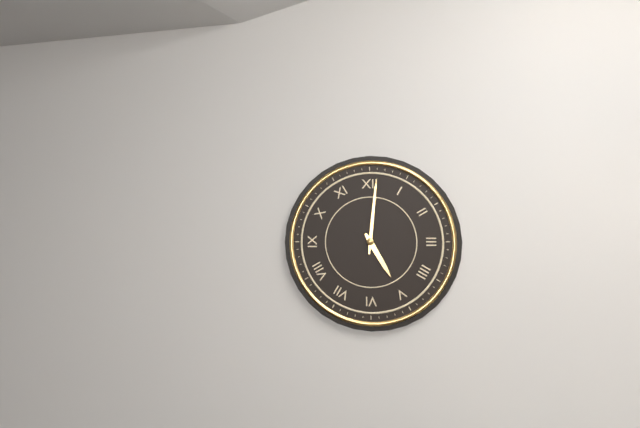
5.01
